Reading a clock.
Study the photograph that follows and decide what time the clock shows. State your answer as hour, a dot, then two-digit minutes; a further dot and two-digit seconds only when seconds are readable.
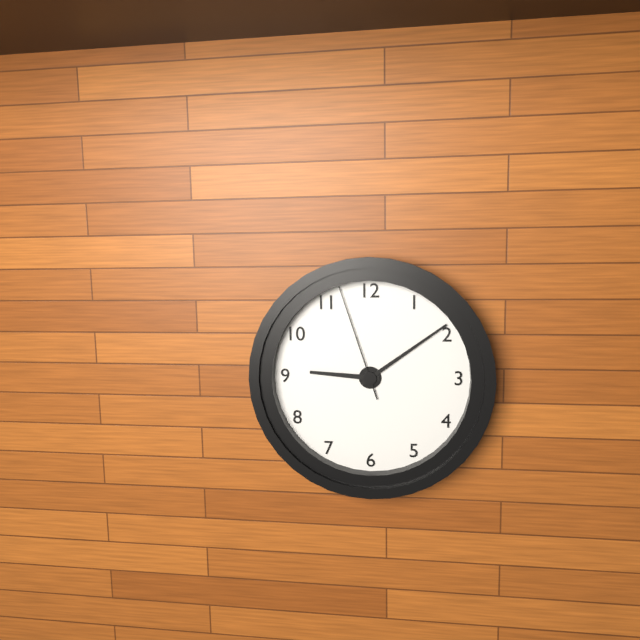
9.09.57
